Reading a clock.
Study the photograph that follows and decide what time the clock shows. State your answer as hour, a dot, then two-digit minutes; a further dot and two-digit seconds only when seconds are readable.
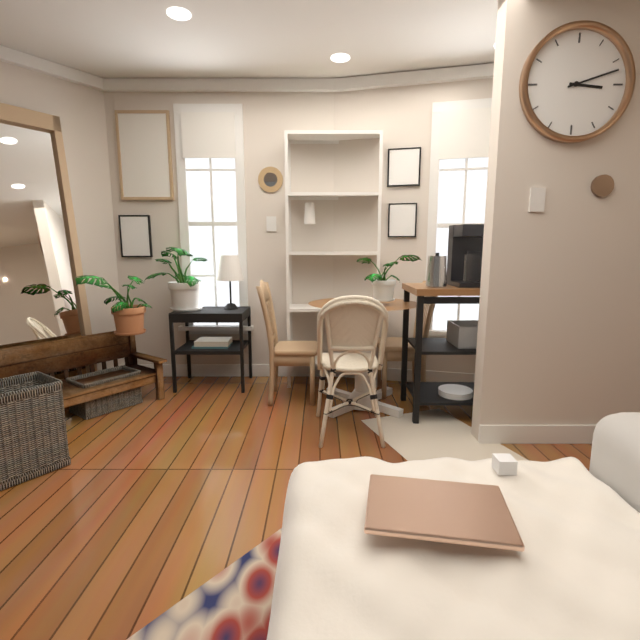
3.12
